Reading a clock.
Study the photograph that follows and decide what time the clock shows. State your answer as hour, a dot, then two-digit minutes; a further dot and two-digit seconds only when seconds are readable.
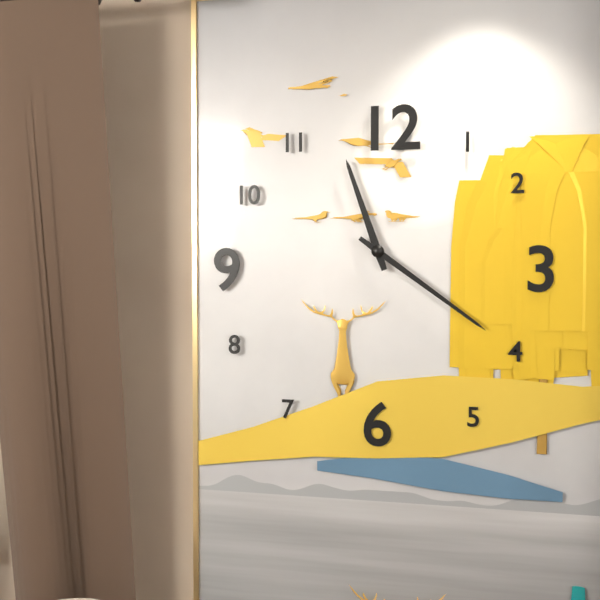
11.21
